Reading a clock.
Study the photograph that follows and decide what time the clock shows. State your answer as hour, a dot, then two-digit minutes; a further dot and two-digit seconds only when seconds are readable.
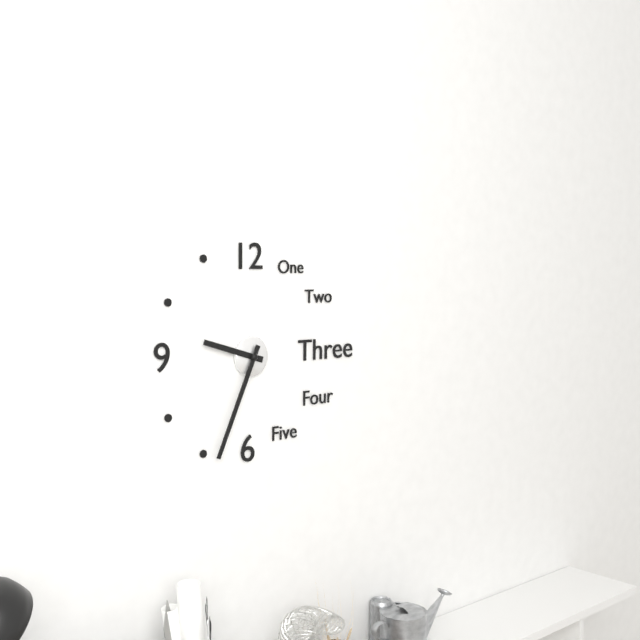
9.34
